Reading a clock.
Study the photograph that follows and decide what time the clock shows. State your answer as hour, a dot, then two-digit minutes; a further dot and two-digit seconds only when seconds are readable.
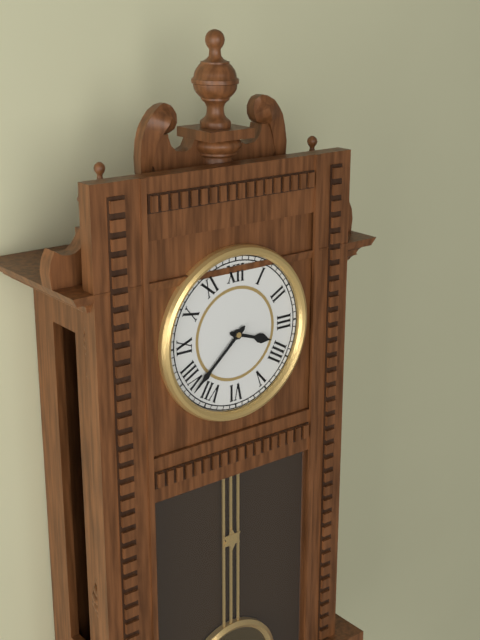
3.38
